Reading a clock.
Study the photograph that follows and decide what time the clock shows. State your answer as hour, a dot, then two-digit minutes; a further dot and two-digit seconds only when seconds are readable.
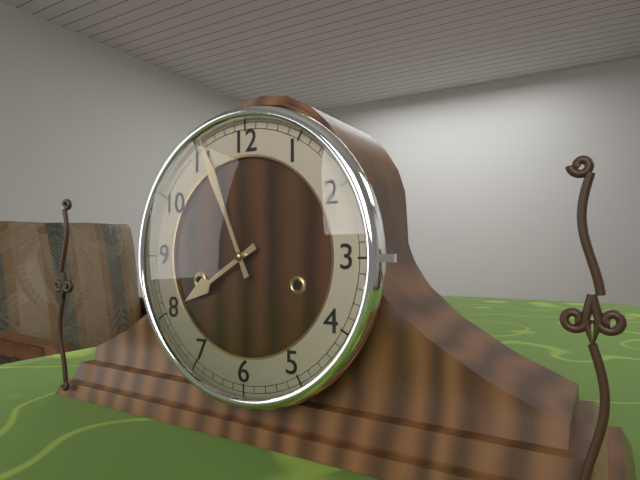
7.56
